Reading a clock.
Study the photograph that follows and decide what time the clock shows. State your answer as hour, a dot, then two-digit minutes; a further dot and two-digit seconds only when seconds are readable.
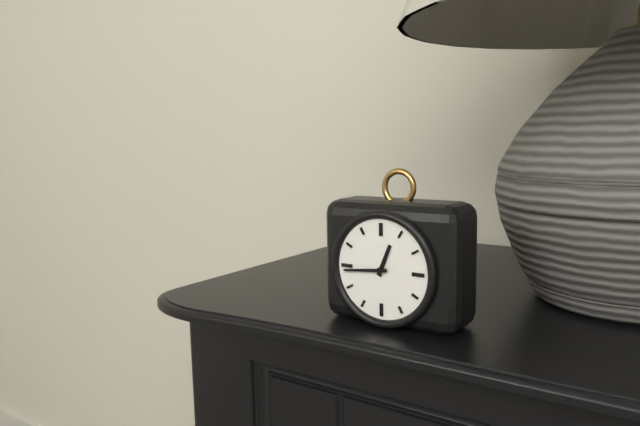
12.44
